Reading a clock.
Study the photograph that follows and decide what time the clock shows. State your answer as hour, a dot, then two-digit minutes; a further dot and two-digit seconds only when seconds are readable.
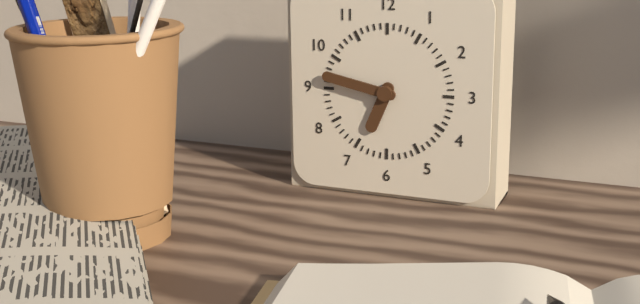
6.47
